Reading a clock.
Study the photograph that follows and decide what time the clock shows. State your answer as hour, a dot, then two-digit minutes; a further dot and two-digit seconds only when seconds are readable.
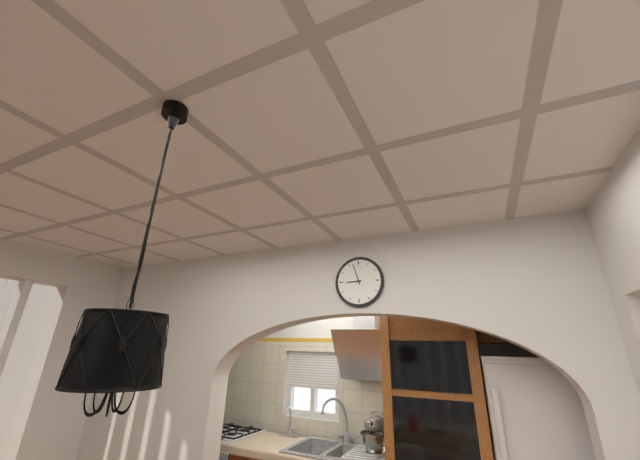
8.57
